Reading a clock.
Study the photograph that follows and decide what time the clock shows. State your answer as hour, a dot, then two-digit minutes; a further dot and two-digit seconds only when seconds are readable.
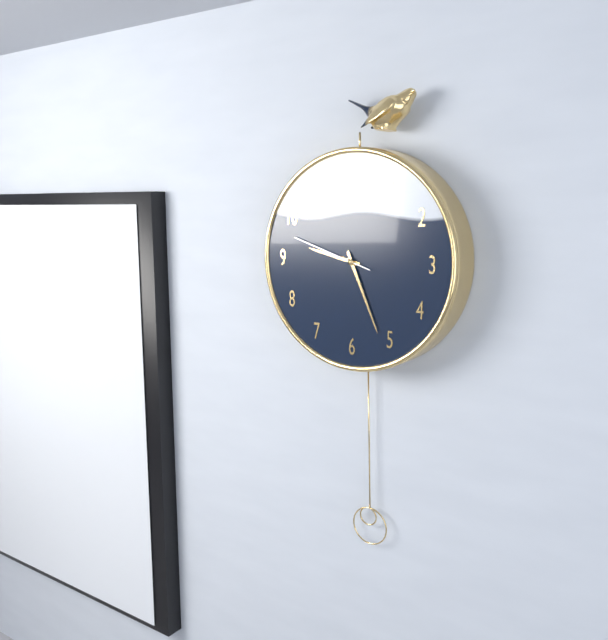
9.26.48
